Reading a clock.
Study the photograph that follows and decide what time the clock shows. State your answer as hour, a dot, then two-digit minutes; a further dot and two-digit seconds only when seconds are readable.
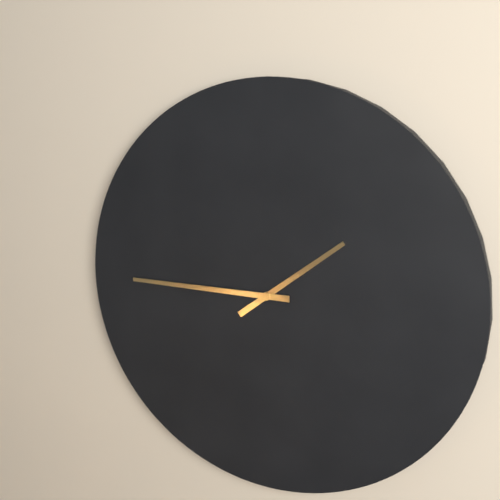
1.45
